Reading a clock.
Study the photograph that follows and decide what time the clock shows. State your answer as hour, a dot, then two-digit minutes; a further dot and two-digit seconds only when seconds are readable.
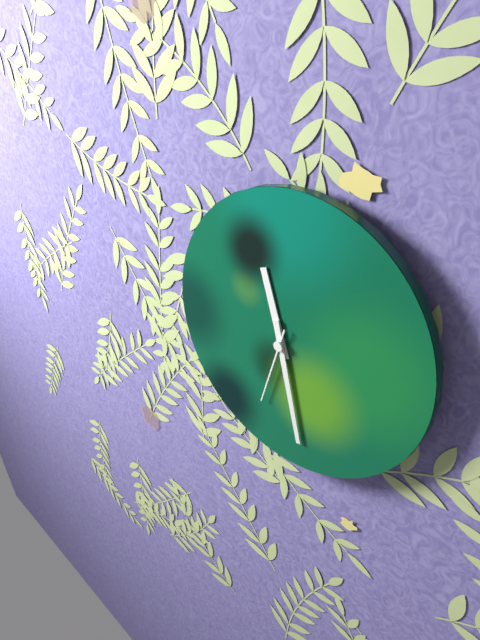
11.28.33
